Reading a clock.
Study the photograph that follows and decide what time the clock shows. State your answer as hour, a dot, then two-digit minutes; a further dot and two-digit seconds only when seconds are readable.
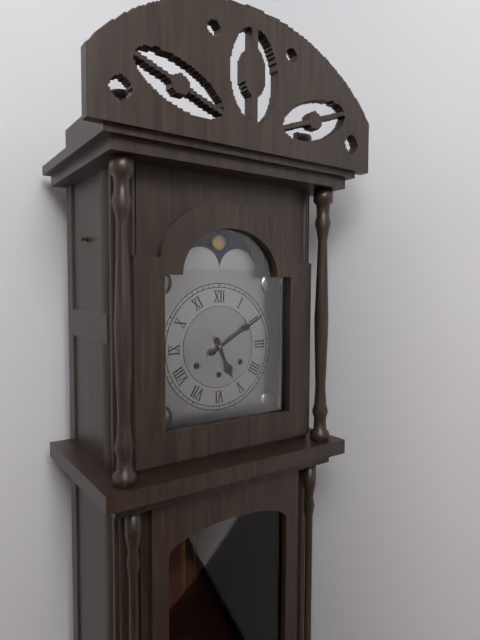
5.10
